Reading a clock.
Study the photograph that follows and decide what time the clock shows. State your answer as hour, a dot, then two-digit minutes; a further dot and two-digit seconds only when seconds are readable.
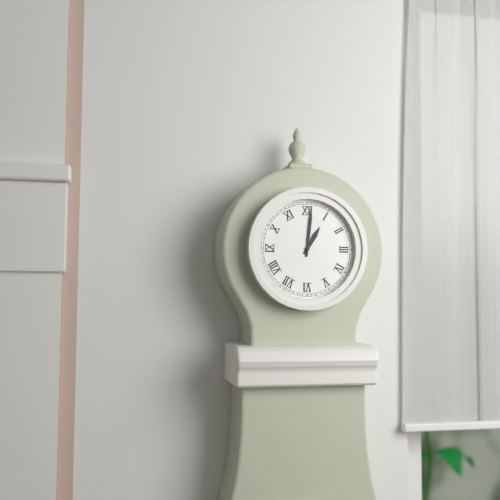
1.01
